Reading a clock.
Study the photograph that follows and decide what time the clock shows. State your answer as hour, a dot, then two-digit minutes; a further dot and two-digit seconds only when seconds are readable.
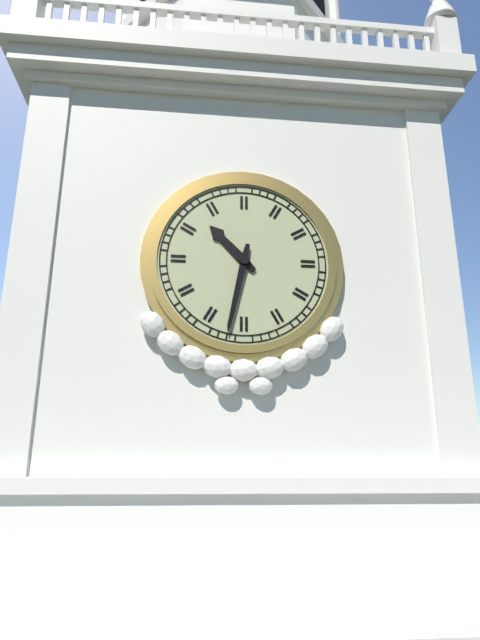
10.32
